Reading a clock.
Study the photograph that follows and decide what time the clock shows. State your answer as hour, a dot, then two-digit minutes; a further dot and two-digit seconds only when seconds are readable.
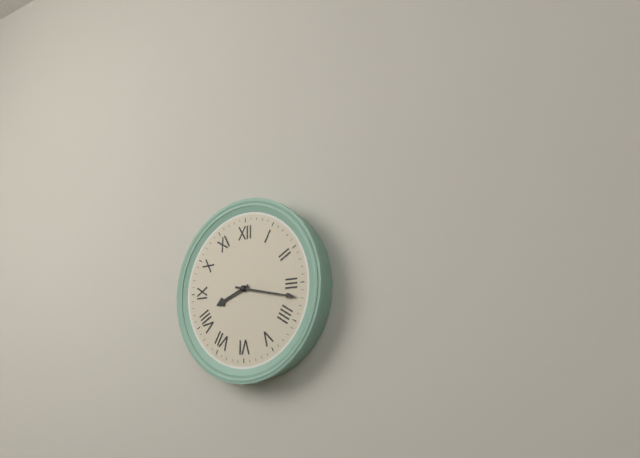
8.17
